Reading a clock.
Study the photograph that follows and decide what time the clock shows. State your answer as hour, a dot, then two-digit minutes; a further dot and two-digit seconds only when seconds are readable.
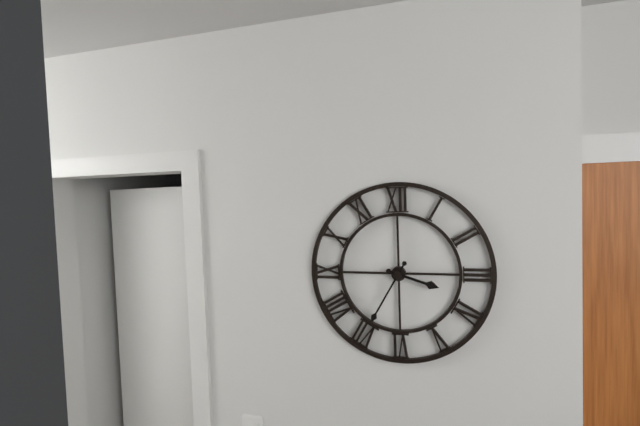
3.35
